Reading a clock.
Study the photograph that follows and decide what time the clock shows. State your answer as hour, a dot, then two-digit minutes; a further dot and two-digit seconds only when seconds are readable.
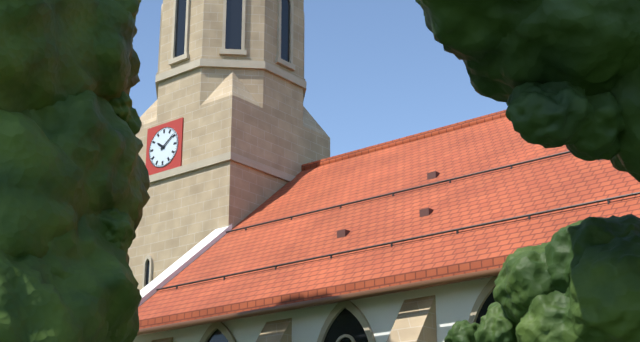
10.09
